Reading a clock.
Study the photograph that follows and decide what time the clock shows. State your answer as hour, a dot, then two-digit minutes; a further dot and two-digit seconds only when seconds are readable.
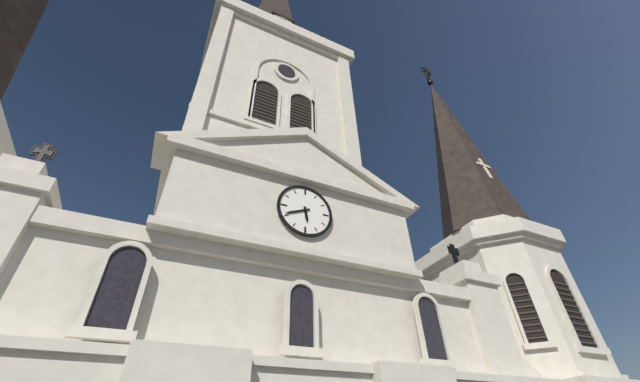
5.41
